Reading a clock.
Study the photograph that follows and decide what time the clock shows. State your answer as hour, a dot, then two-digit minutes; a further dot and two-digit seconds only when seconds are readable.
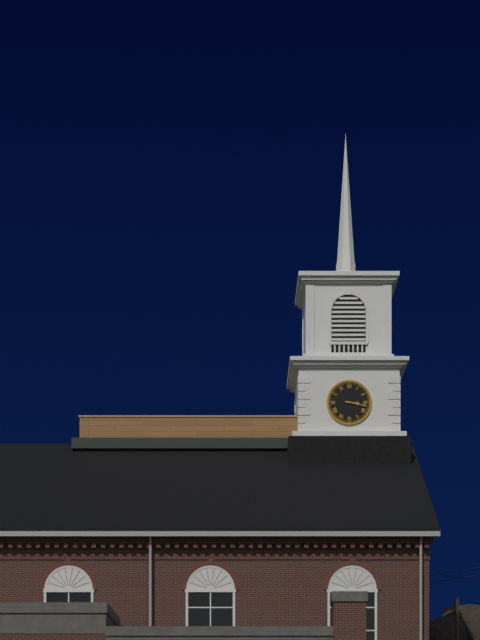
3.17
